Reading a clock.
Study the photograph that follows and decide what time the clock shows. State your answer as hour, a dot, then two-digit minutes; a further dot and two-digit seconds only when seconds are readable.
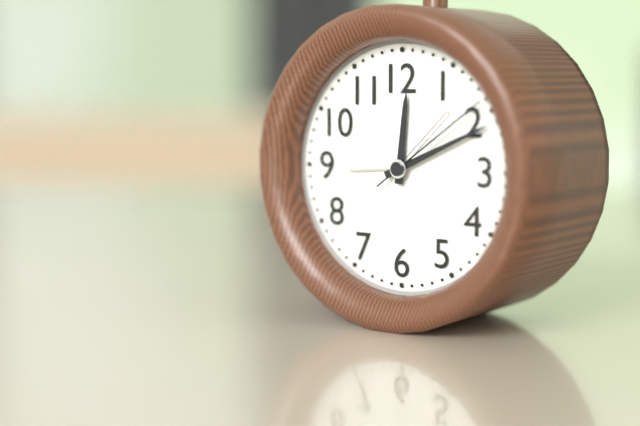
12.11.09
